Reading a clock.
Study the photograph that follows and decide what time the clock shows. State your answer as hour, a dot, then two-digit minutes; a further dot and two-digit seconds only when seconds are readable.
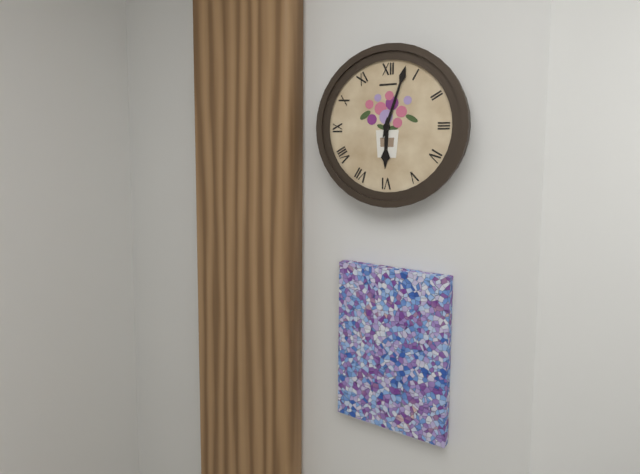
6.03
